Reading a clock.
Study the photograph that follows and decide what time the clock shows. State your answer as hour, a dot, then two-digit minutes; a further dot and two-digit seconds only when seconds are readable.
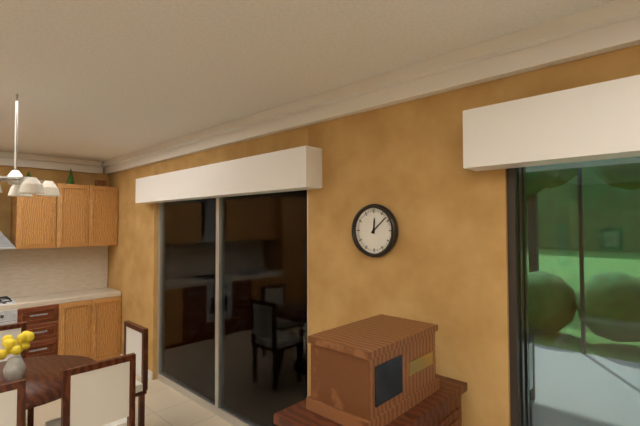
12.08
